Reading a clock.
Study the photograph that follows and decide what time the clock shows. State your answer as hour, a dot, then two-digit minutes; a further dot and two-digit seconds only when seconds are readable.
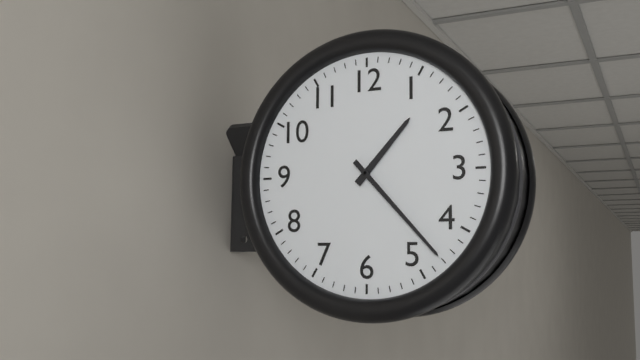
1.23
